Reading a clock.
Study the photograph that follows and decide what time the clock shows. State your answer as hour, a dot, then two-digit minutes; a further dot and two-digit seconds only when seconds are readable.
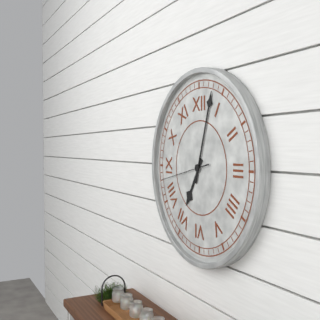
7.03
